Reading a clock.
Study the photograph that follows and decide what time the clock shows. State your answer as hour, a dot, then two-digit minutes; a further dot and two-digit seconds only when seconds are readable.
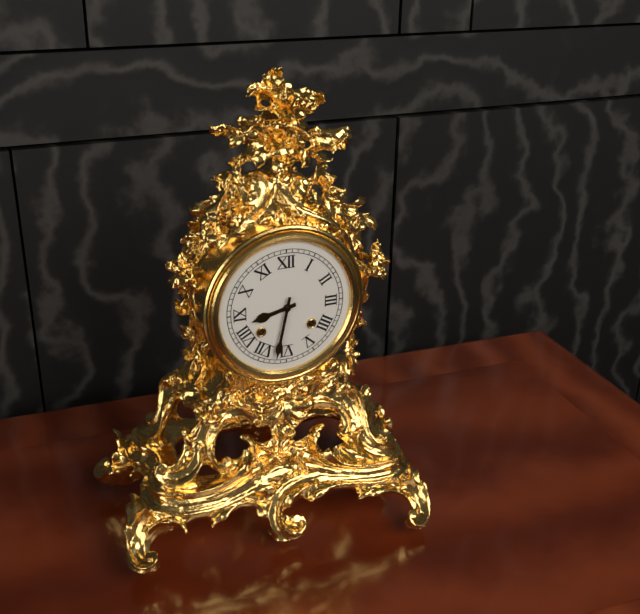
8.32
